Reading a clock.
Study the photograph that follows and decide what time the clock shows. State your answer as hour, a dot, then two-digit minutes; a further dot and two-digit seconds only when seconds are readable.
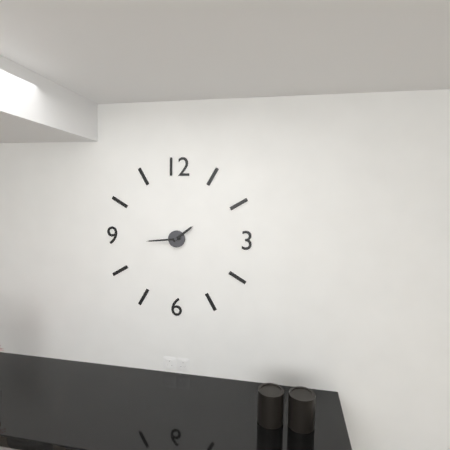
1.44
